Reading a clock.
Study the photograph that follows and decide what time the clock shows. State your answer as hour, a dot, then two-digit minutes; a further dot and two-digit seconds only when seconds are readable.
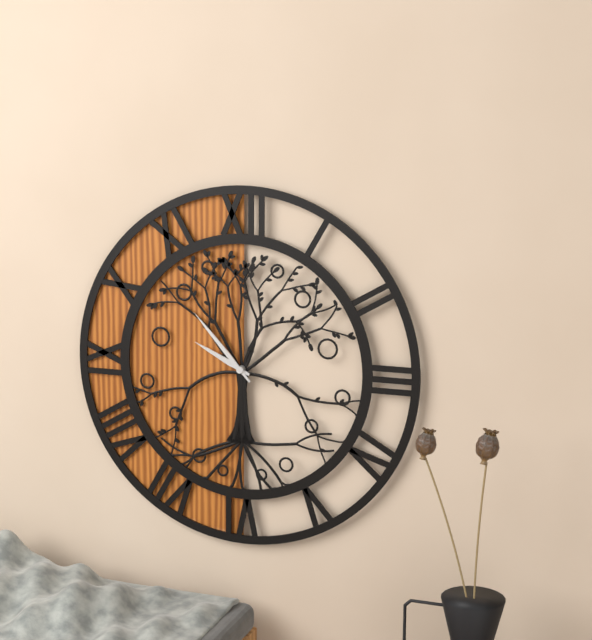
9.53
